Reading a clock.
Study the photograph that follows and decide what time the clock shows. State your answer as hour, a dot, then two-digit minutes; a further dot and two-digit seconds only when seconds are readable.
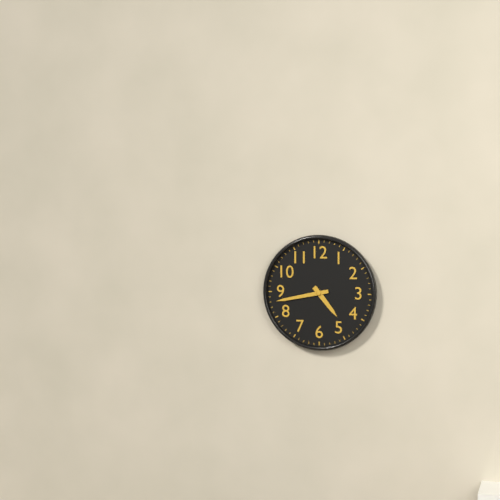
4.43
